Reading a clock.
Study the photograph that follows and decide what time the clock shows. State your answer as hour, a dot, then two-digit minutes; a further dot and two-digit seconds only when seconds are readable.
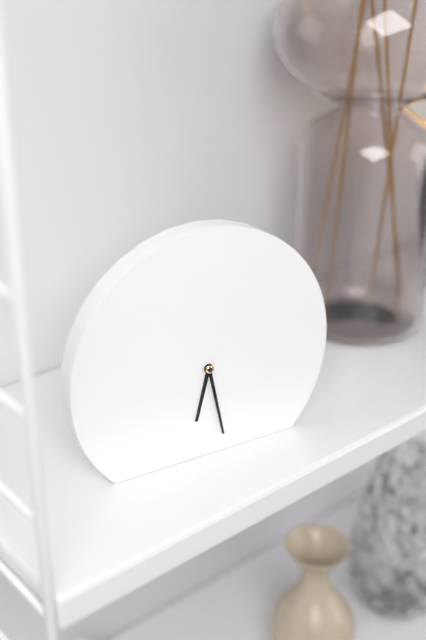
6.28
